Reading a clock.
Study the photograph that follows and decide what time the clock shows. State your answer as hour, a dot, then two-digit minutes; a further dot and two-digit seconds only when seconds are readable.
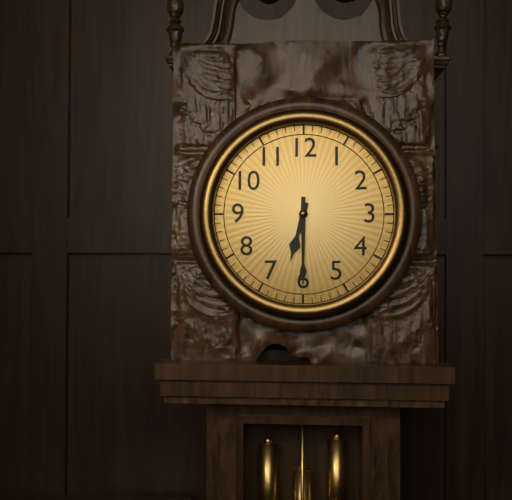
6.30
